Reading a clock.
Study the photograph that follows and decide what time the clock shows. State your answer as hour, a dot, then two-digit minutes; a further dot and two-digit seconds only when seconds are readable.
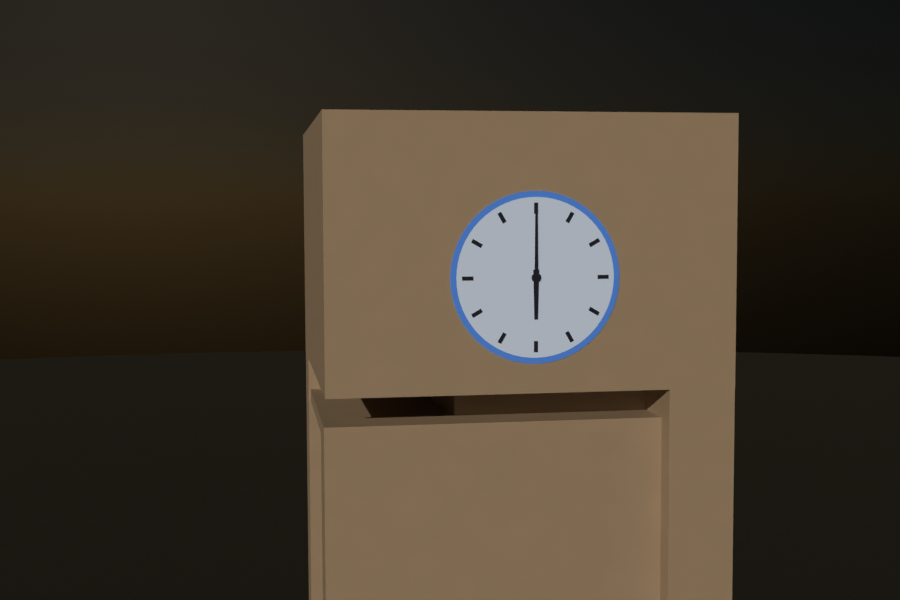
6.00
